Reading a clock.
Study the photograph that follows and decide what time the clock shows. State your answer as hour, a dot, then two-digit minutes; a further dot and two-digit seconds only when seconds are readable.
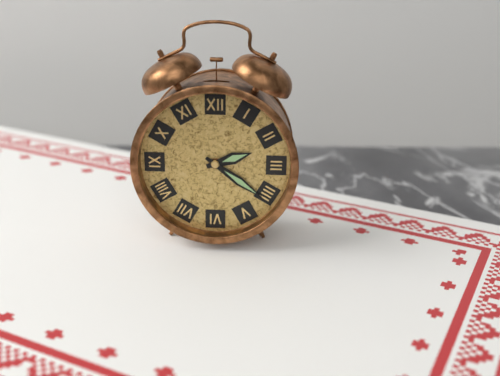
2.21
